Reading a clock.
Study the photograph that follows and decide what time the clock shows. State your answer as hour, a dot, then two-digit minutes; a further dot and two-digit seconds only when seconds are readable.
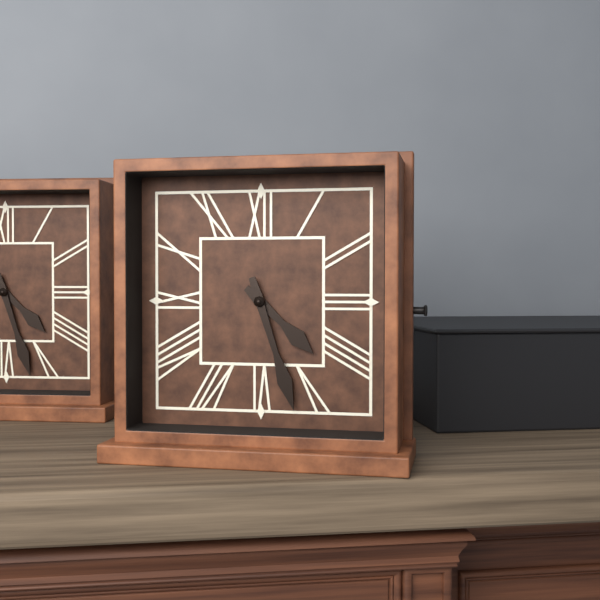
4.27
